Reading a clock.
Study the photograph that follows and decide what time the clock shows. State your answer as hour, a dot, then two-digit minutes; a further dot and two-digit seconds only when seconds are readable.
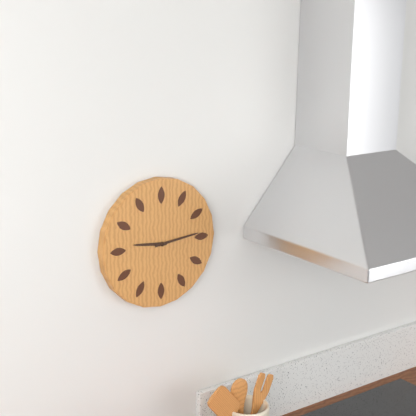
9.14
